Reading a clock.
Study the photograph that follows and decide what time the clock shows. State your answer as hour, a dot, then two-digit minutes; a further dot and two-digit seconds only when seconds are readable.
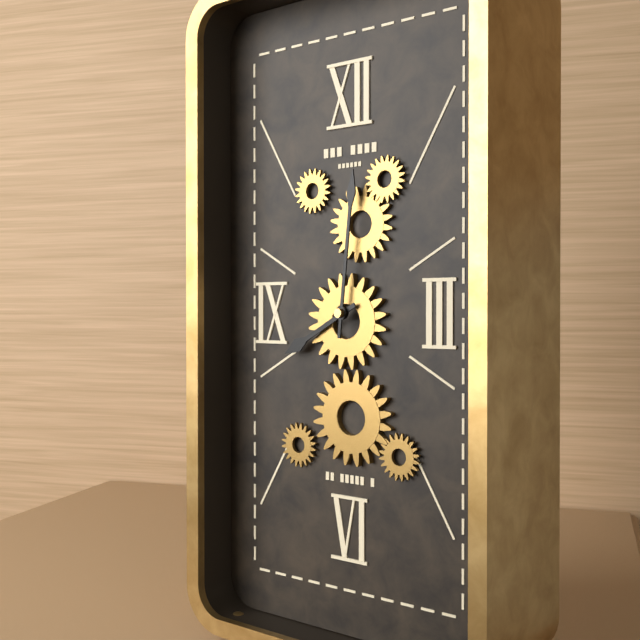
8.01
